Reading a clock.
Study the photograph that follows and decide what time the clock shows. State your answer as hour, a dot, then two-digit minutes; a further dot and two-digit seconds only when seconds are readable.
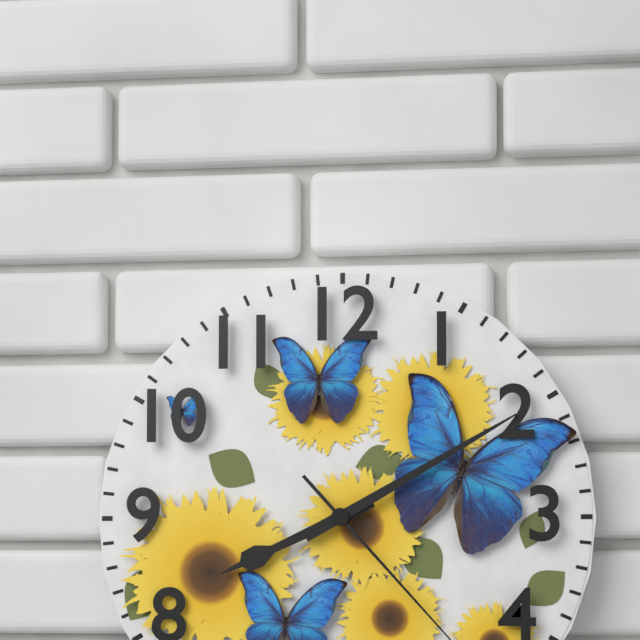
8.10
